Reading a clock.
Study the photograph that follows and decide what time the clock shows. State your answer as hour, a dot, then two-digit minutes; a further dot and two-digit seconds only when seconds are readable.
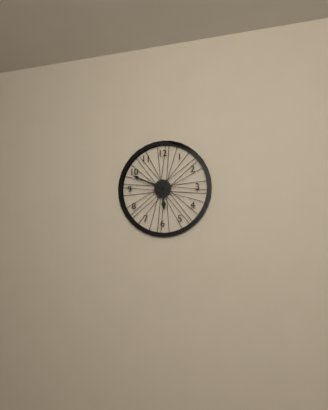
5.49
